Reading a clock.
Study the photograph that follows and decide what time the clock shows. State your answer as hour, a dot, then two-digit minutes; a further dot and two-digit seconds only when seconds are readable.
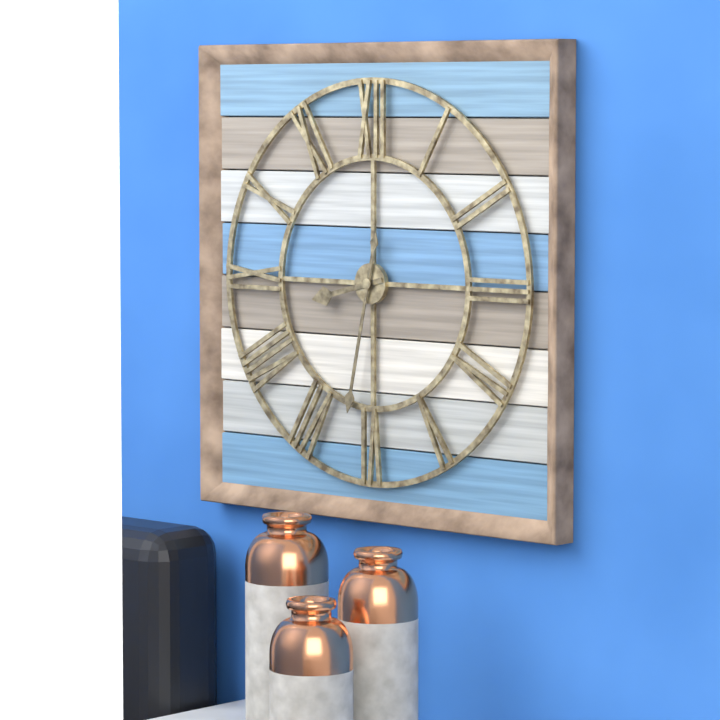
8.32
